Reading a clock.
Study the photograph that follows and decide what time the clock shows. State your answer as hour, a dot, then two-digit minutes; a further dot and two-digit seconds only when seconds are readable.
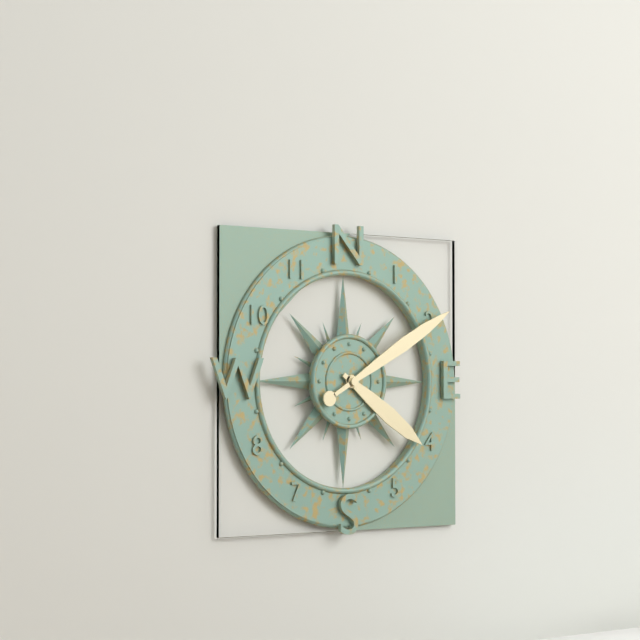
4.10
